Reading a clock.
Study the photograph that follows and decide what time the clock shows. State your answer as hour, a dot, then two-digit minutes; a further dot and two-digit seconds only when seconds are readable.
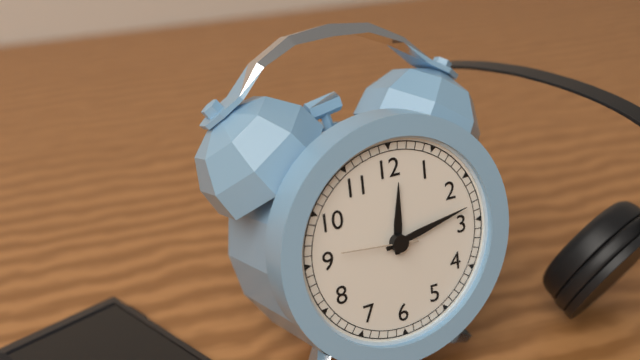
12.13.46
